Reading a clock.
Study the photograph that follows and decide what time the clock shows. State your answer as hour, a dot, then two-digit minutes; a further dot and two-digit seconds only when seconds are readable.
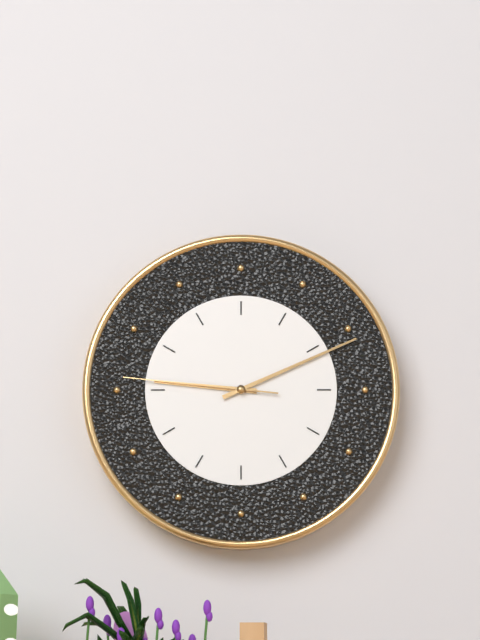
9.11.46
